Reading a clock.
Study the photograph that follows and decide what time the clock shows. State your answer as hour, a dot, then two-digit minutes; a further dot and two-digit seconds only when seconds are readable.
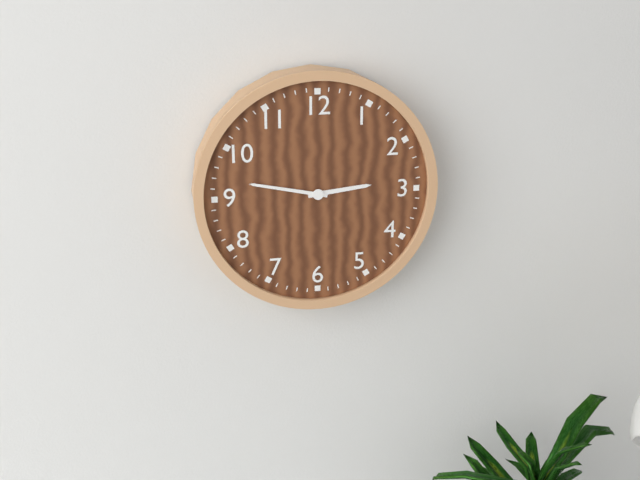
2.47
